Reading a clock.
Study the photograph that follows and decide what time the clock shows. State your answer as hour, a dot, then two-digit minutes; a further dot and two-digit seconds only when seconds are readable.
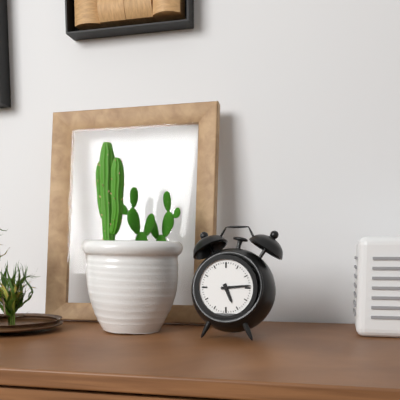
5.14
